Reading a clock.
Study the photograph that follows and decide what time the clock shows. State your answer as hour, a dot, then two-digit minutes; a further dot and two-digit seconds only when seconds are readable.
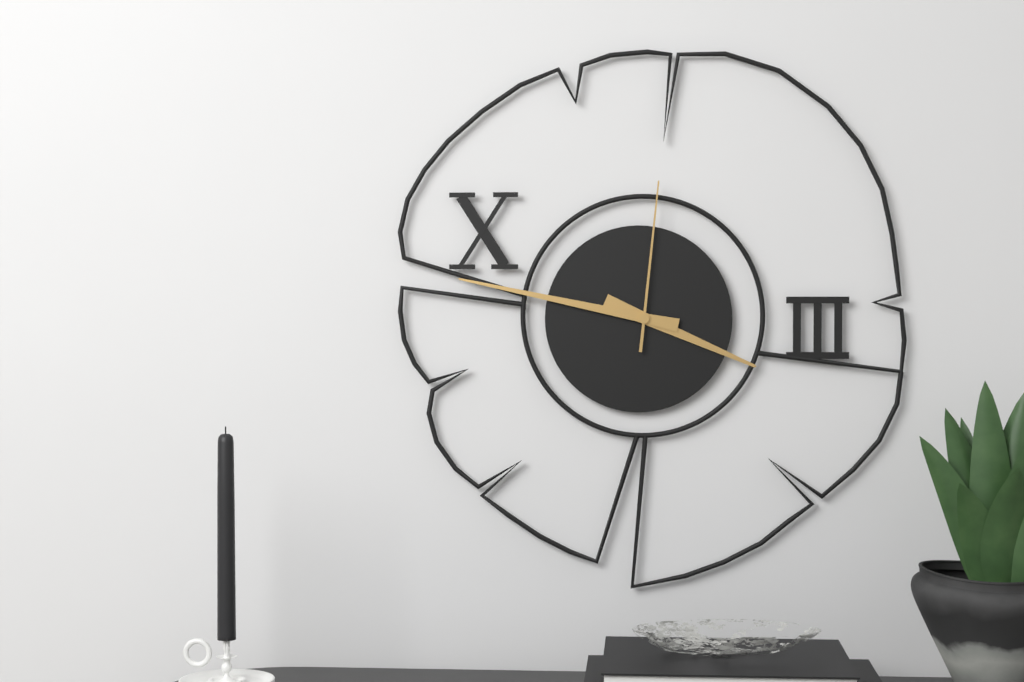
3.47.01
